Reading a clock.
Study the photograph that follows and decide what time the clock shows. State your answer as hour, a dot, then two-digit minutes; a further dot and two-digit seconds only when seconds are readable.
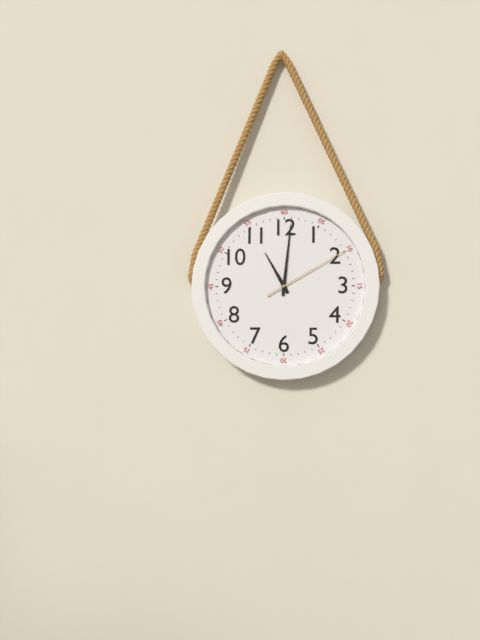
11.01.10
